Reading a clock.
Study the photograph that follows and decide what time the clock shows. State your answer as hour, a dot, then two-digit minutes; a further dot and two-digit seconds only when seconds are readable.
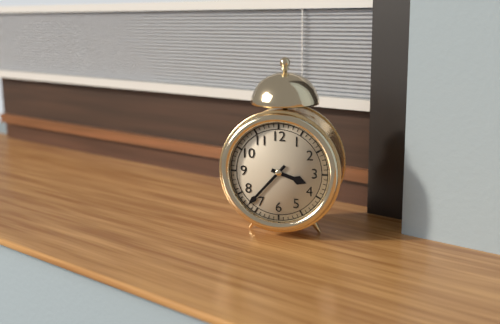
3.37
